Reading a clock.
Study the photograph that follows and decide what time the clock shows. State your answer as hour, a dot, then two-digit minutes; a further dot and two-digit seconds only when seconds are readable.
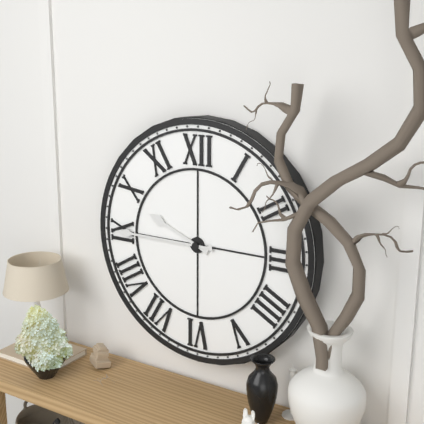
9.45
